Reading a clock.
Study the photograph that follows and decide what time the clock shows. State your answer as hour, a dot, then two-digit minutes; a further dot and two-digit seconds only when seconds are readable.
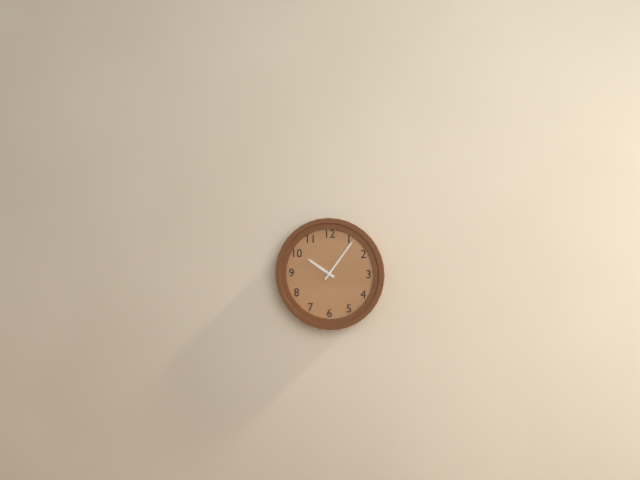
10.06
